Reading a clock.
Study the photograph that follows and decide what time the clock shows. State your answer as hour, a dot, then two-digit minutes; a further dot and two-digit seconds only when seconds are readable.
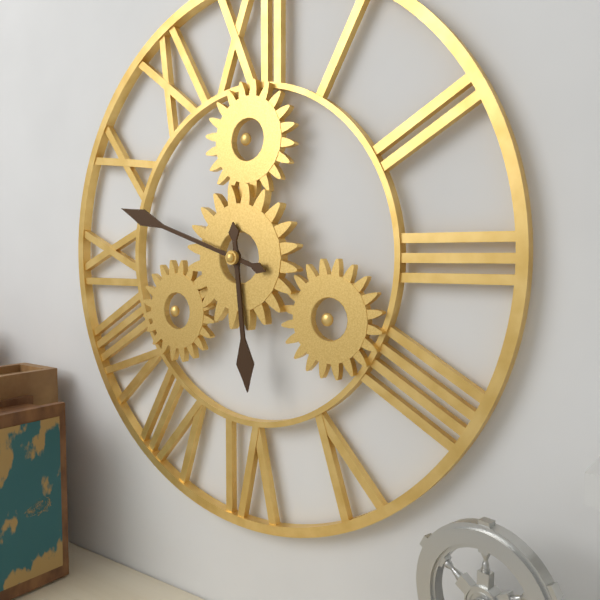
5.48
